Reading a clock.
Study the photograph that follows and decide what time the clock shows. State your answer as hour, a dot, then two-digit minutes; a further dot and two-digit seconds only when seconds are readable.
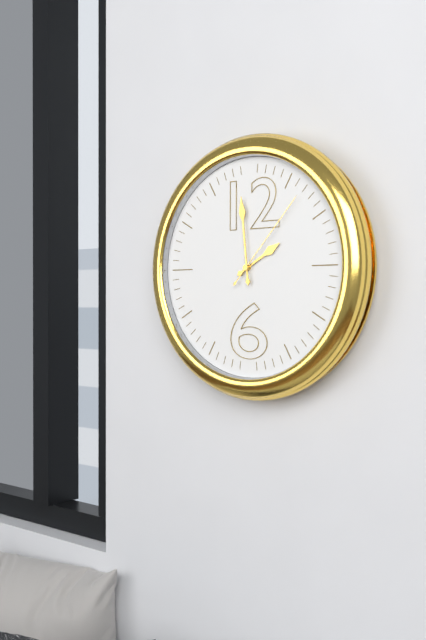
1.59.07
